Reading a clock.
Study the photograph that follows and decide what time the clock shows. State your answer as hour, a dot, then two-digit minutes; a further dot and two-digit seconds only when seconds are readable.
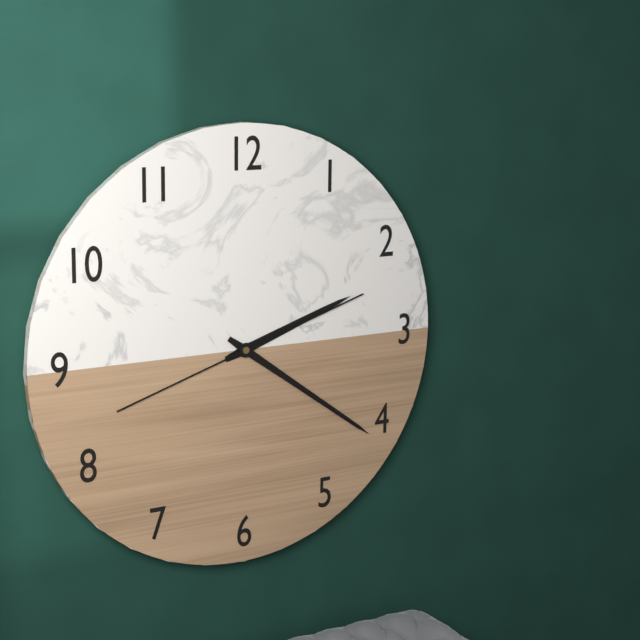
2.21
